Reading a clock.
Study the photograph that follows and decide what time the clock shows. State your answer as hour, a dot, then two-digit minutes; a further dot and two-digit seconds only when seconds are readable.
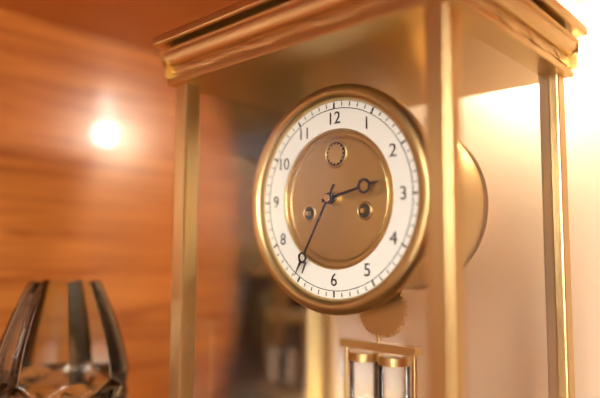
2.35
